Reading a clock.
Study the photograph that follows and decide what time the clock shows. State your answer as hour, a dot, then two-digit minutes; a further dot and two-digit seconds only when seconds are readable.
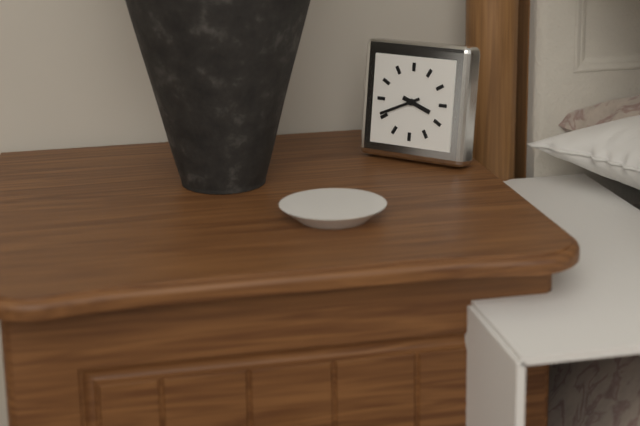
3.41
